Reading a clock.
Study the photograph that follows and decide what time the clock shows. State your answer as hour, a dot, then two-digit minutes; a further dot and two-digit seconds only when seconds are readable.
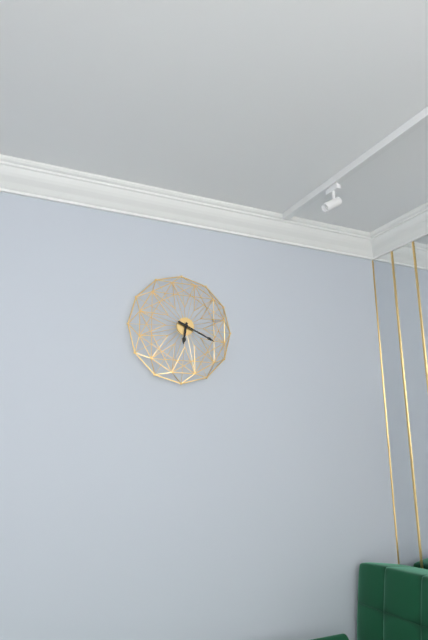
6.19
